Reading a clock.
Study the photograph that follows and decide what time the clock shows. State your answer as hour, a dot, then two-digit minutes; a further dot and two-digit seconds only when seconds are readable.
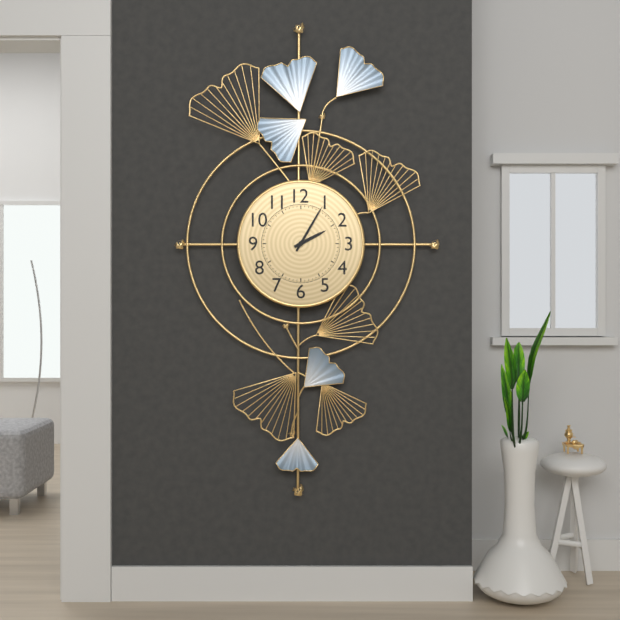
2.05
